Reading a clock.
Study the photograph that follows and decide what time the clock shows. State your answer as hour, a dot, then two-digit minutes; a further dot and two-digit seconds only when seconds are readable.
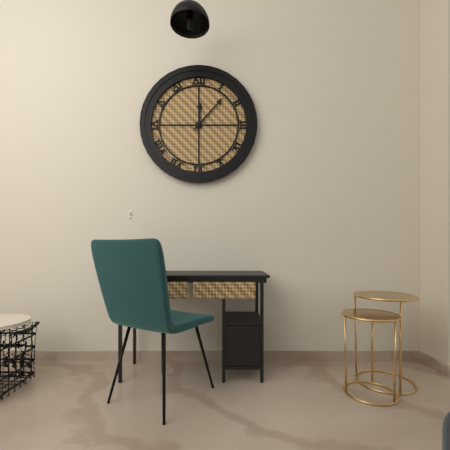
12.07
